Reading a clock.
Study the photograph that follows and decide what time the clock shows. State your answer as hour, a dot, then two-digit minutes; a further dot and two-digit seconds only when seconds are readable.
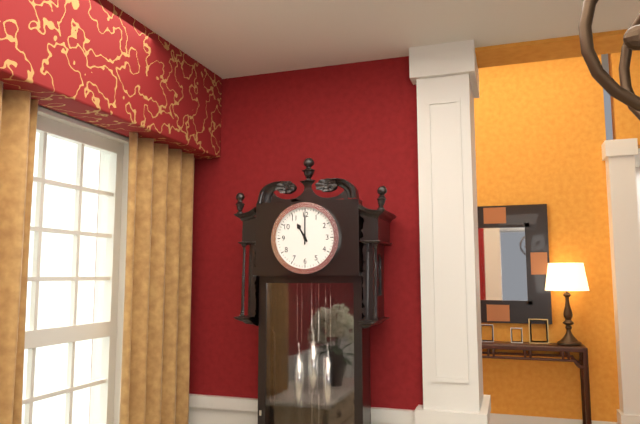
11.00
